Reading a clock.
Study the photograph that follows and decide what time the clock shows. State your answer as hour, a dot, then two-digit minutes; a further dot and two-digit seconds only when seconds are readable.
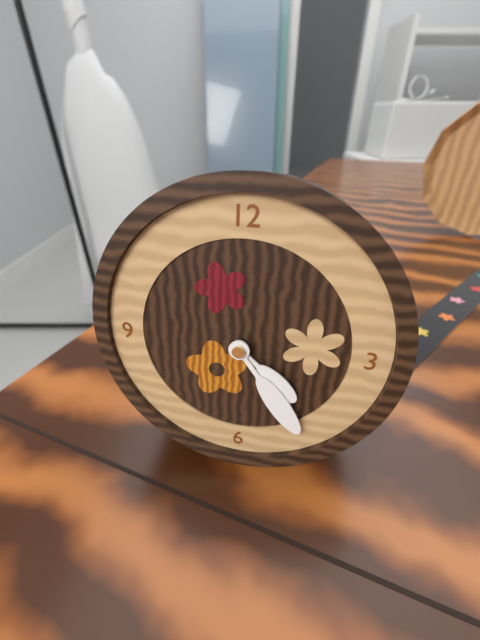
4.24
